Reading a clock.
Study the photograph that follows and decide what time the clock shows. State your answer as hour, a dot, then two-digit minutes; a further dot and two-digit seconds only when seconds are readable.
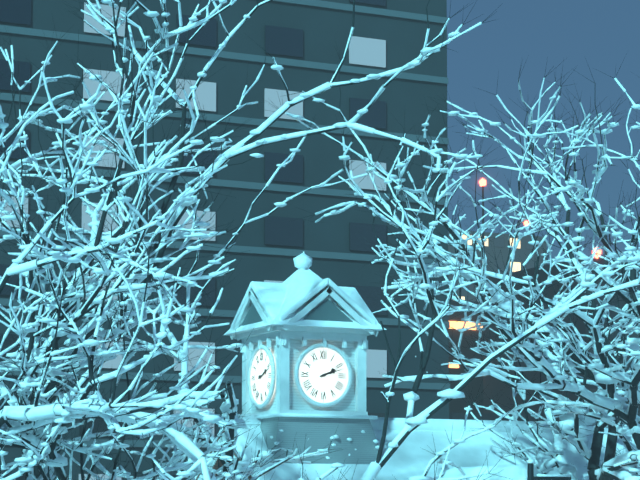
2.12
